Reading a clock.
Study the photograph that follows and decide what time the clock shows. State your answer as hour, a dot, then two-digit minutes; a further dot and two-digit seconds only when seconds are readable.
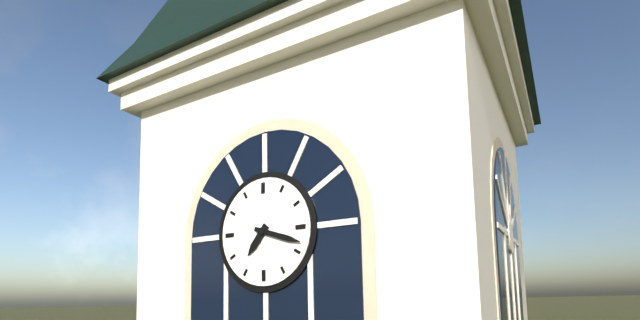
7.18
